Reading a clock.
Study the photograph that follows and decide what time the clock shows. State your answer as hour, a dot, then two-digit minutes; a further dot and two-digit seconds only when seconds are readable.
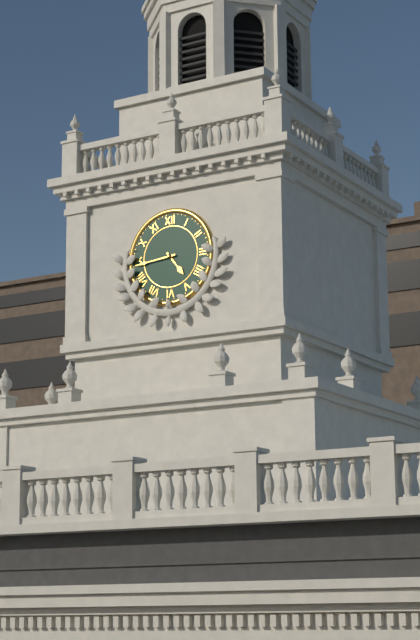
4.44
